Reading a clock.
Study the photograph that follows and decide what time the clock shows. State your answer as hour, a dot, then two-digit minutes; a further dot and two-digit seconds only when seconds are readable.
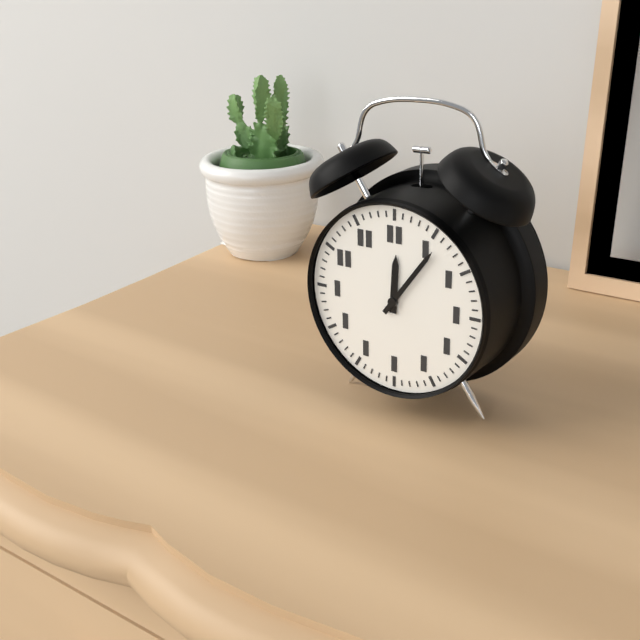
12.06
